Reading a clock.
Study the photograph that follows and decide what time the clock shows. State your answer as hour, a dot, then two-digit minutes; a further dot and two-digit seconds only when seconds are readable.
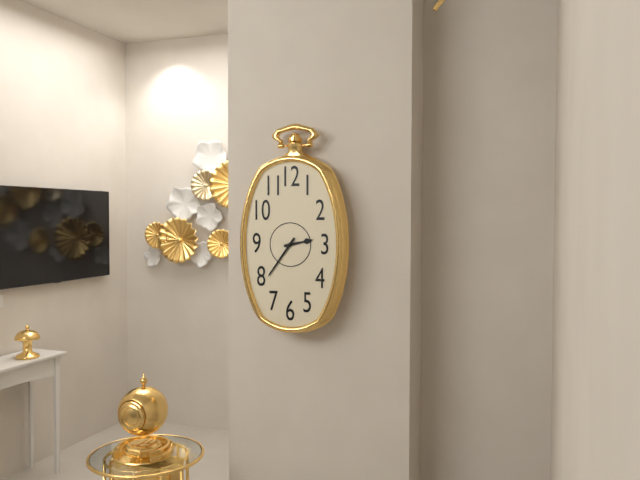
2.36
